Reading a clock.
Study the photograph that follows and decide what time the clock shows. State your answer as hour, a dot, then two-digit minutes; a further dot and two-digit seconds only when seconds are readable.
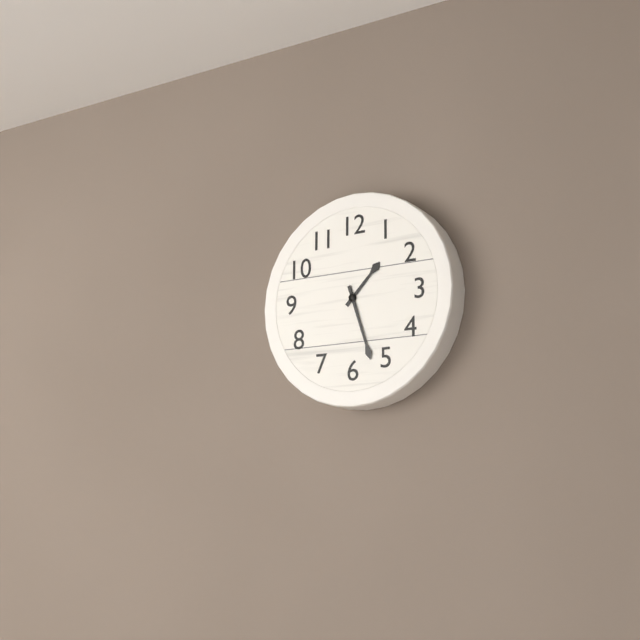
1.27
